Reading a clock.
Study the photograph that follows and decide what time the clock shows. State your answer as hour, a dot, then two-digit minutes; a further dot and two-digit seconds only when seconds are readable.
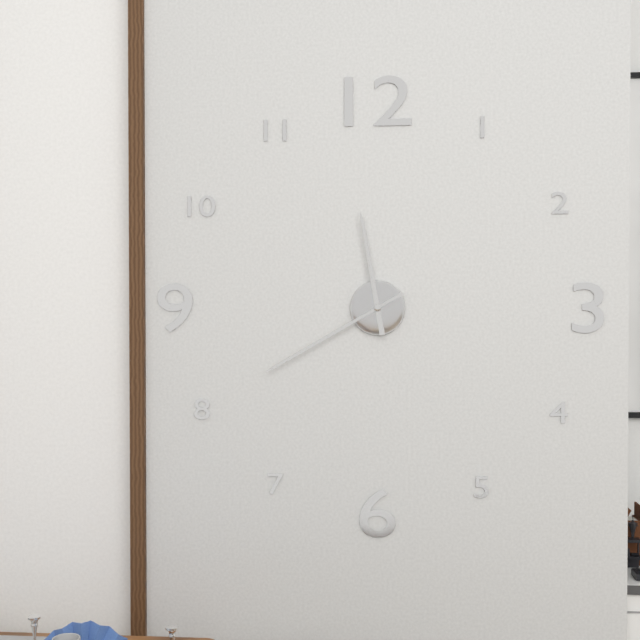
11.40
